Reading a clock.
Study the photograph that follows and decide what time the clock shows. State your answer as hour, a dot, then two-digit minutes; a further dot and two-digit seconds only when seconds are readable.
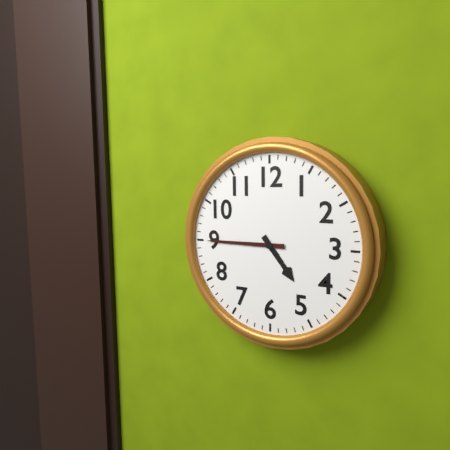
4.45
